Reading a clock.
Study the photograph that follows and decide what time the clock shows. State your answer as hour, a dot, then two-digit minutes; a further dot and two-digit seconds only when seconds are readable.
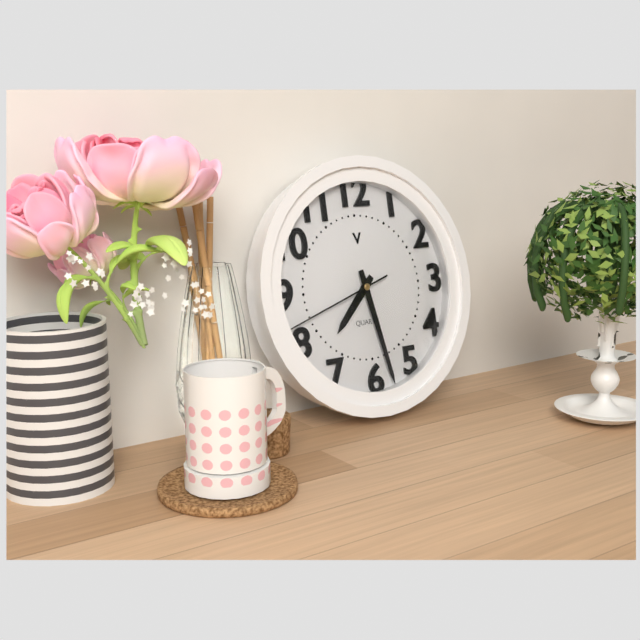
7.28.42
